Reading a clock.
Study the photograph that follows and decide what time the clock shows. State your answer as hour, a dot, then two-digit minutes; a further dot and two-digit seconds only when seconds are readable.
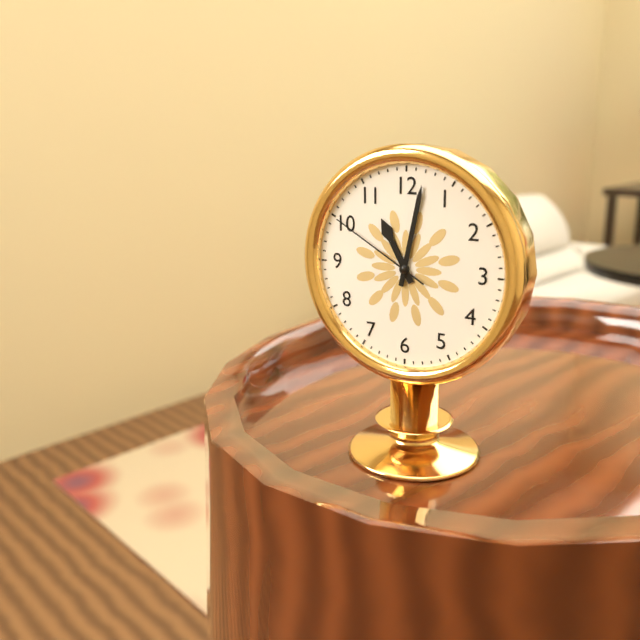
11.02.50
